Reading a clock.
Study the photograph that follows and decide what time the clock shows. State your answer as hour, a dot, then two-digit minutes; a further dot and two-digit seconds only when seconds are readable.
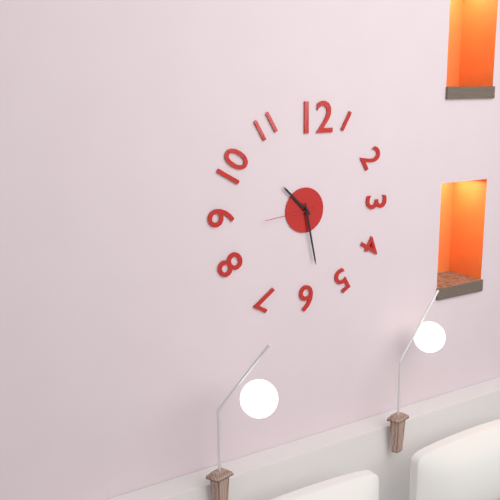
10.28.44
